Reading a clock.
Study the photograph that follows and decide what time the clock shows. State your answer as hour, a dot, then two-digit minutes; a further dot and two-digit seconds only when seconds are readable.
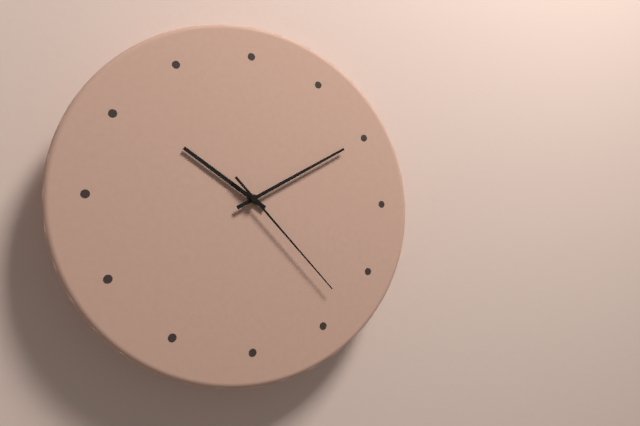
10.10.23
